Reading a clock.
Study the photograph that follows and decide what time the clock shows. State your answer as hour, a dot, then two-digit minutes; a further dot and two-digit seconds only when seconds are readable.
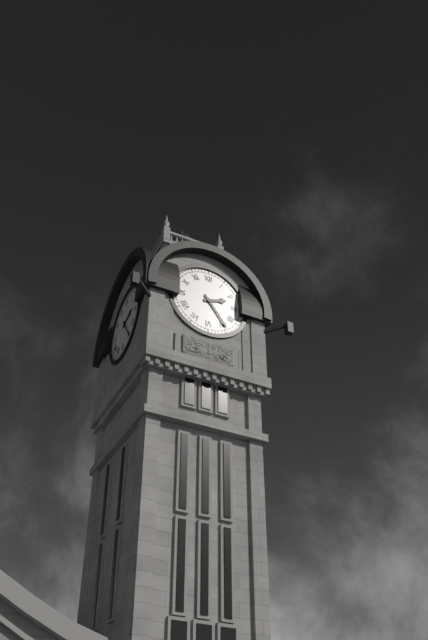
2.24
